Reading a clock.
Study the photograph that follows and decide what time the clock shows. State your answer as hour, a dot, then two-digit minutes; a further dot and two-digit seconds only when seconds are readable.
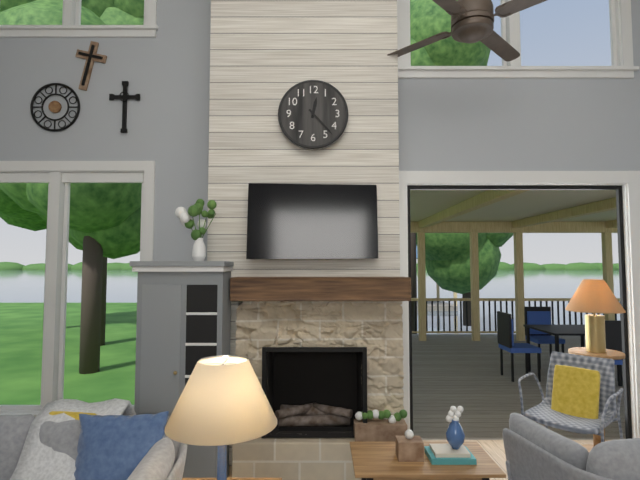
12.23
